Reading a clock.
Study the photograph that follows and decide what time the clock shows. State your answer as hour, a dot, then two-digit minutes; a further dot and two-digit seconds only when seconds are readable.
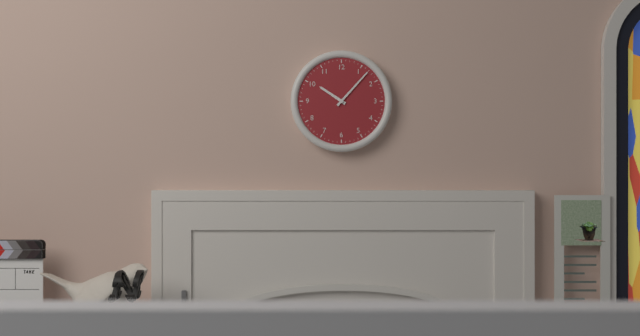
10.07
